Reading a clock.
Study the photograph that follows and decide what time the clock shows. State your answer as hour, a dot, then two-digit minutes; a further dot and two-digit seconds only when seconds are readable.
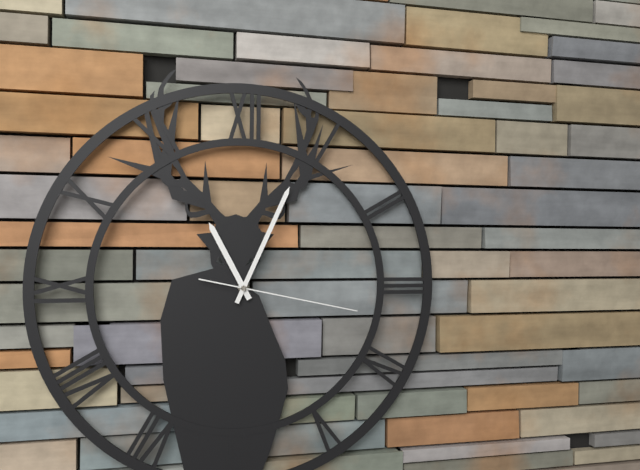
11.04.17
